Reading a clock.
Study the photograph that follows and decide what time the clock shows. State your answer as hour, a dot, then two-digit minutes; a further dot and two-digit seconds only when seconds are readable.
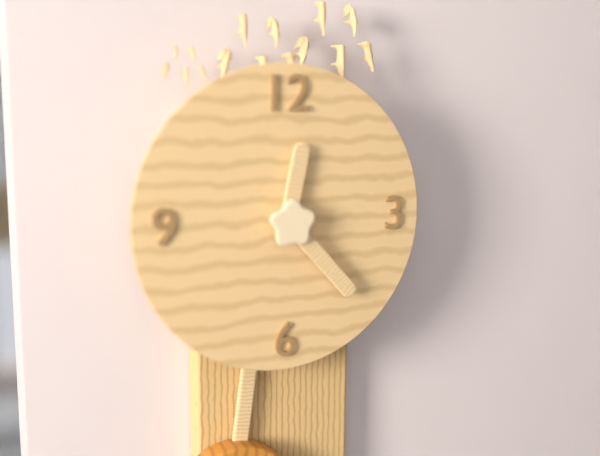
12.23
